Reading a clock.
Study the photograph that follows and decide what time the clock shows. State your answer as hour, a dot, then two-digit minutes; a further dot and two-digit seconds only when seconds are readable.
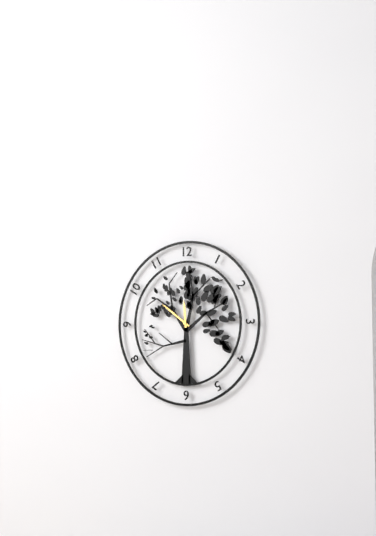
11.51
